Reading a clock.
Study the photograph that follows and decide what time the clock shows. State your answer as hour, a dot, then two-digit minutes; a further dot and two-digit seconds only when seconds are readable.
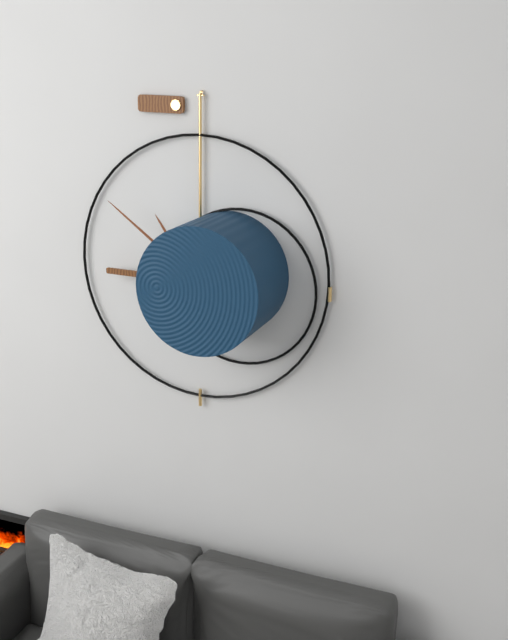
10.51
